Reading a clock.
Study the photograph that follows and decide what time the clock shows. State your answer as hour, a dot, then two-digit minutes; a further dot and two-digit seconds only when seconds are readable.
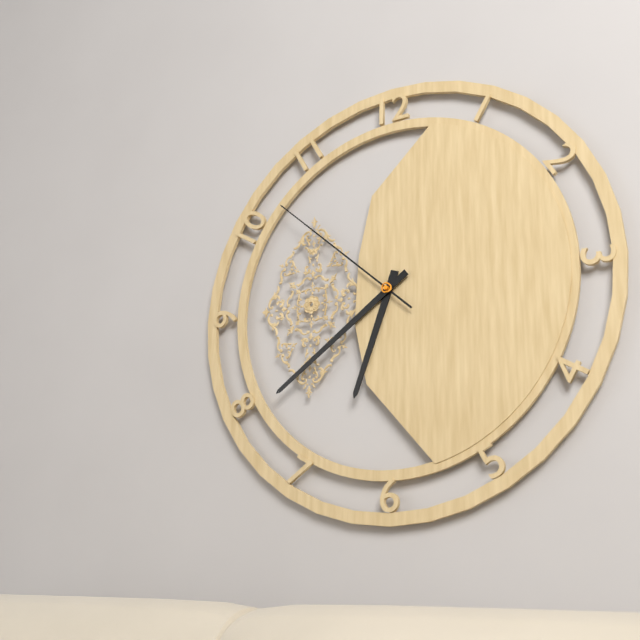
6.39.52
